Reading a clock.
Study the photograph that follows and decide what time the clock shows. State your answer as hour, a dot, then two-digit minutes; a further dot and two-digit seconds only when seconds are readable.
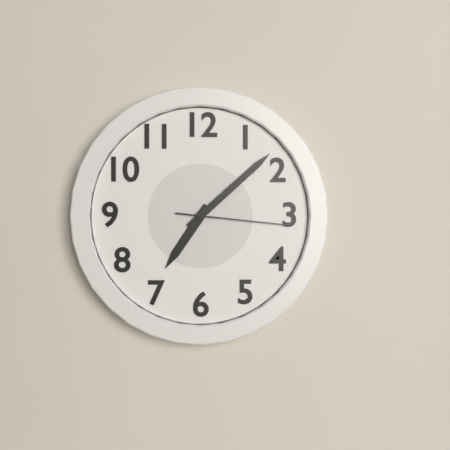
7.08.16
